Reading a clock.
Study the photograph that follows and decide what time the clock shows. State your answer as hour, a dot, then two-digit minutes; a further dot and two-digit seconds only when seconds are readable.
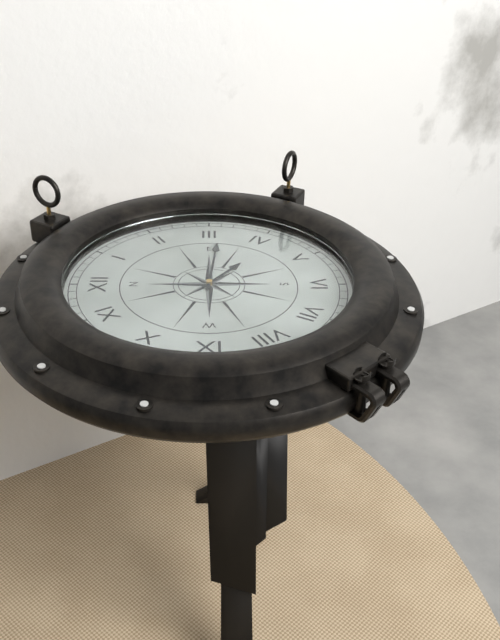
4.16
